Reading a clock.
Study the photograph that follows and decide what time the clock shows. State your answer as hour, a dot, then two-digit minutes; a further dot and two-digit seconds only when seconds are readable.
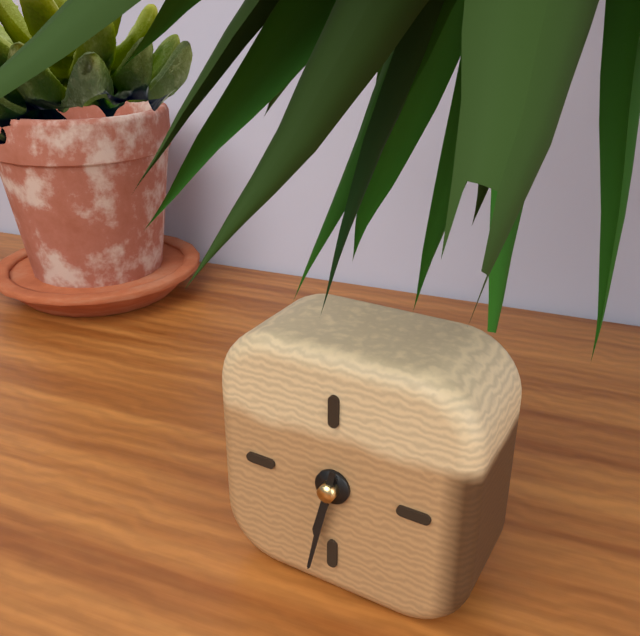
6.32
